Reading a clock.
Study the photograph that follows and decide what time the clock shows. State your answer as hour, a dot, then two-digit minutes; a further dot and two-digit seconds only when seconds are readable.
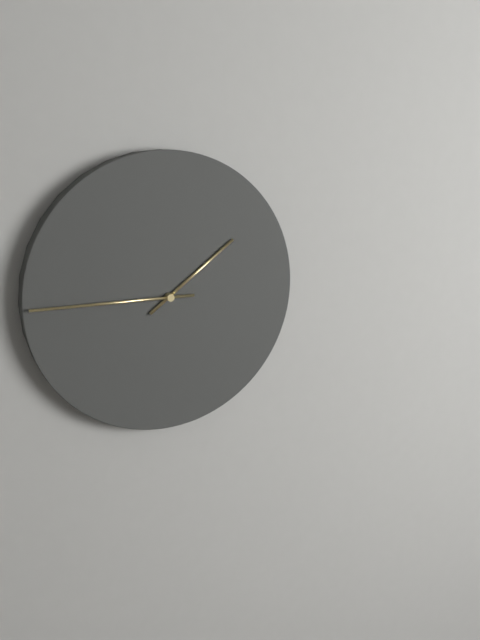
1.45
